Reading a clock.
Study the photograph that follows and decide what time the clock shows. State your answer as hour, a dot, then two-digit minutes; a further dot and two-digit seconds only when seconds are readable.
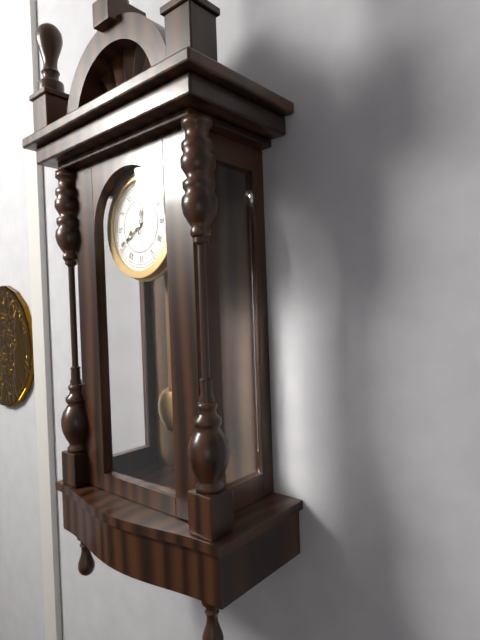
8.02
